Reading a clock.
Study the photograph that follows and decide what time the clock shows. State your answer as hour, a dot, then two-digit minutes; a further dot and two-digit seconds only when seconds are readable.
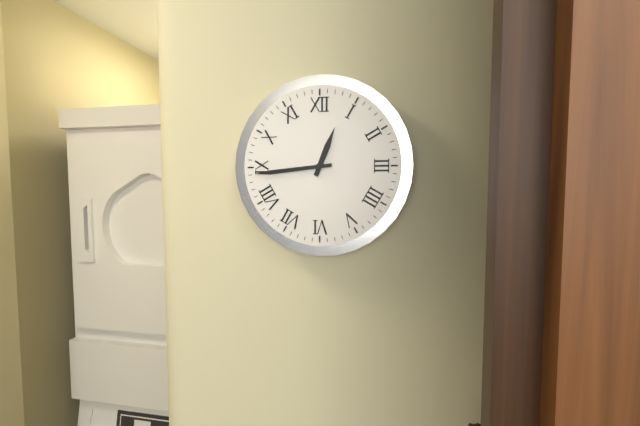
12.44
